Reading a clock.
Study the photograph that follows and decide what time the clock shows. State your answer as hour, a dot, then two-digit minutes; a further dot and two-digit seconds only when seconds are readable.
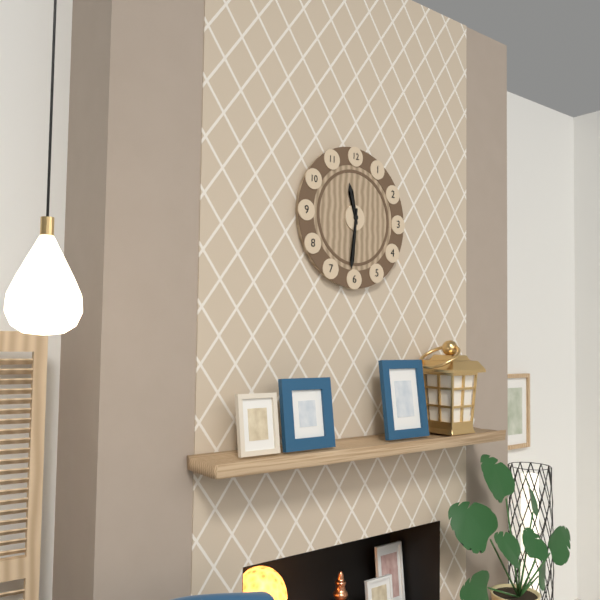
11.31
